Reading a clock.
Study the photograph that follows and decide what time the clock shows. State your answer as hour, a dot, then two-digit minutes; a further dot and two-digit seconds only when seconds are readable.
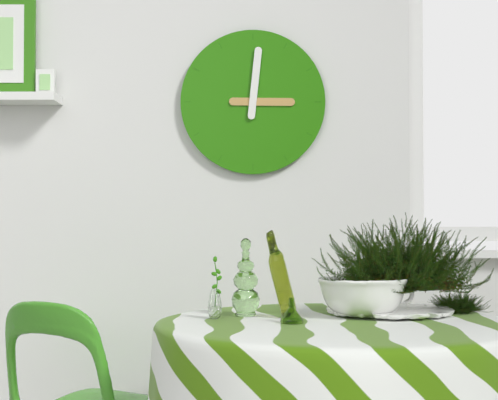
3.01
